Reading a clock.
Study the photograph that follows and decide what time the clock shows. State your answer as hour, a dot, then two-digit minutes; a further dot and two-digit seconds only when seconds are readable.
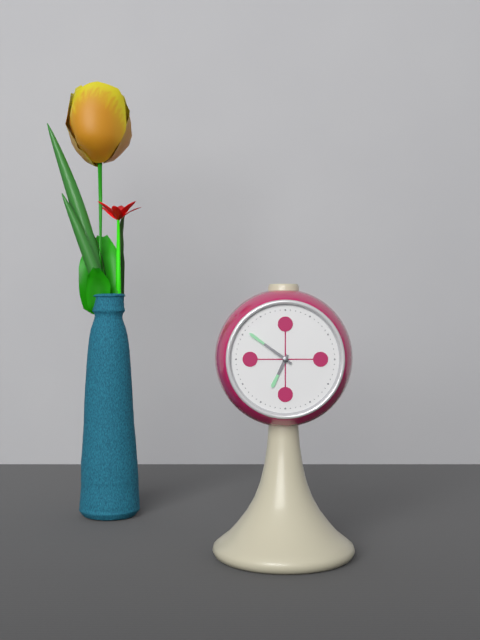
6.51
